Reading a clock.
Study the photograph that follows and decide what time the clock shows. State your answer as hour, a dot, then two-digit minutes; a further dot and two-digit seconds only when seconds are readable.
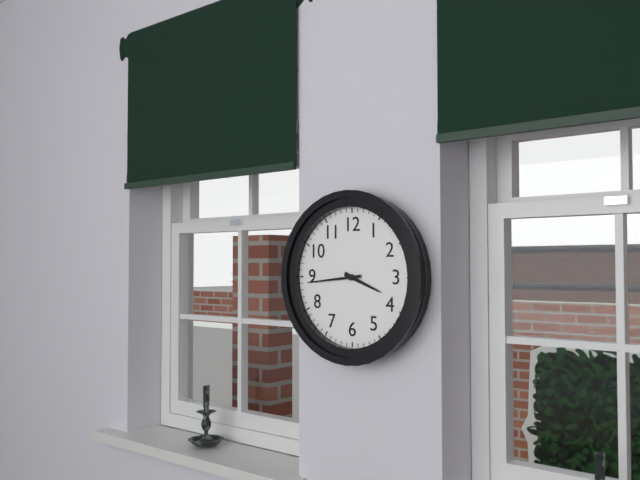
3.44
